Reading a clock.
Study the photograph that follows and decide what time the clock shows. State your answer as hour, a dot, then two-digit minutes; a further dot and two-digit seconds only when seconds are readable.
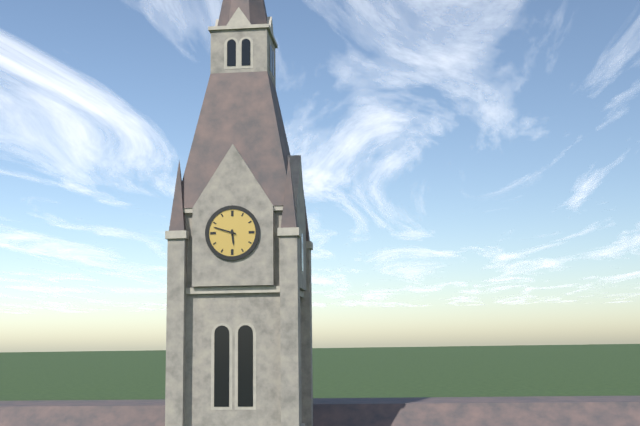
5.48
